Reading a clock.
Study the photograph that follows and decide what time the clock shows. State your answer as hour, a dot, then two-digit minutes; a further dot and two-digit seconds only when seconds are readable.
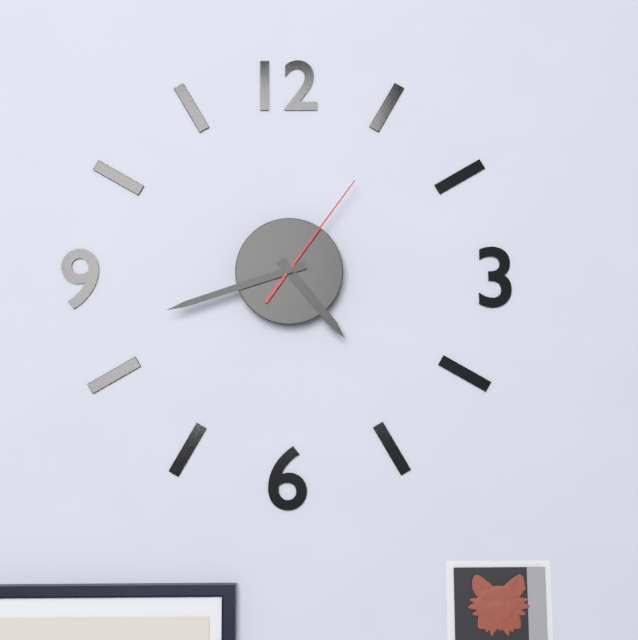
4.42.06
